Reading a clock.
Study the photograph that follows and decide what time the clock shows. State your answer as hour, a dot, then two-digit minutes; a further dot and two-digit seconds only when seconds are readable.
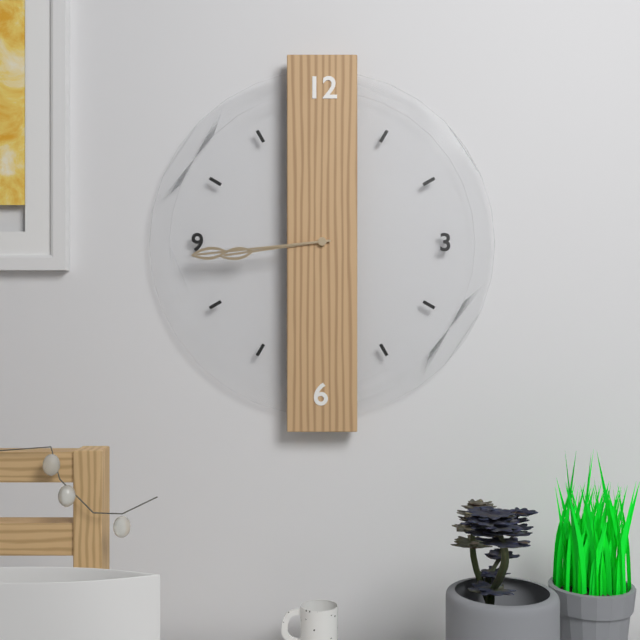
8.44
